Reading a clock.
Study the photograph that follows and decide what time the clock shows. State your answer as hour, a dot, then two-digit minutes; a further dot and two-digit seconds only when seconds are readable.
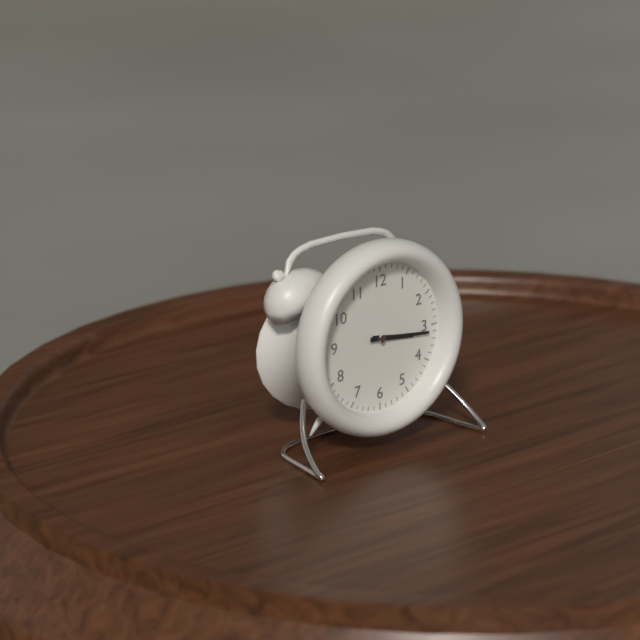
3.16
